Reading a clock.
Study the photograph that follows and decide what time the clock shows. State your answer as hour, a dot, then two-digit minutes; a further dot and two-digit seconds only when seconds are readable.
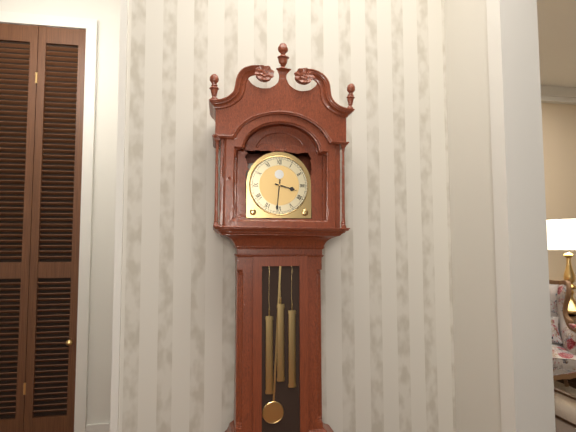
3.31
